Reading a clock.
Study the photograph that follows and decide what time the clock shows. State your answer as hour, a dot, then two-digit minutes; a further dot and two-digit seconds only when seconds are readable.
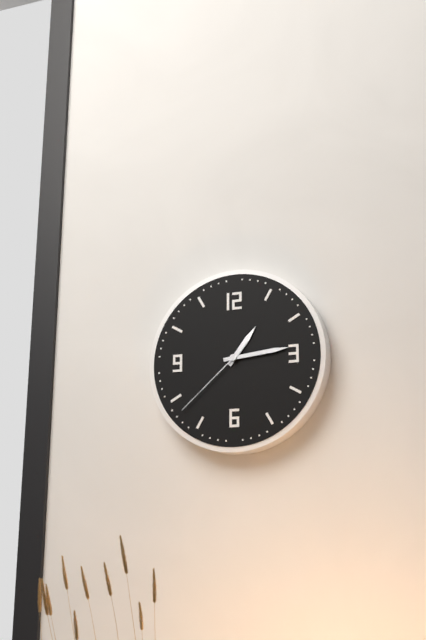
1.14.38
